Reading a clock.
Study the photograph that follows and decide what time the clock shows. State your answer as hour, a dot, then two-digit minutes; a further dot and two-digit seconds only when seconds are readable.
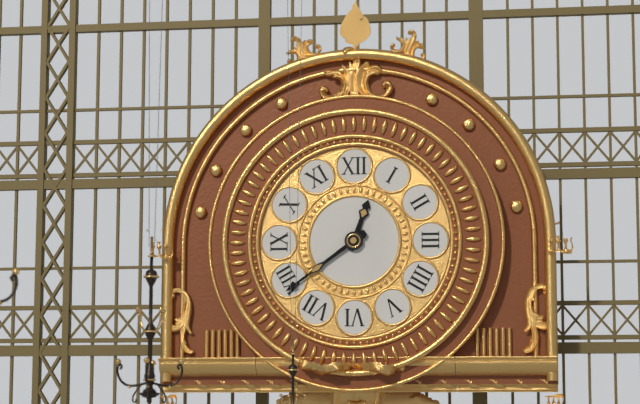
12.39
